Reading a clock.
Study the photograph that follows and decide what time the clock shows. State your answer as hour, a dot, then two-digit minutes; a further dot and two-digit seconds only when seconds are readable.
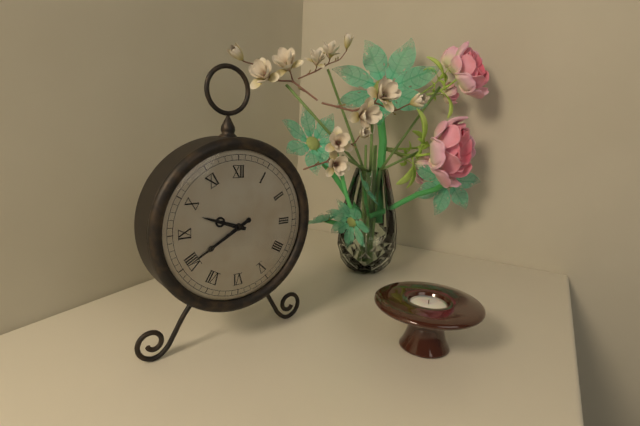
9.40
